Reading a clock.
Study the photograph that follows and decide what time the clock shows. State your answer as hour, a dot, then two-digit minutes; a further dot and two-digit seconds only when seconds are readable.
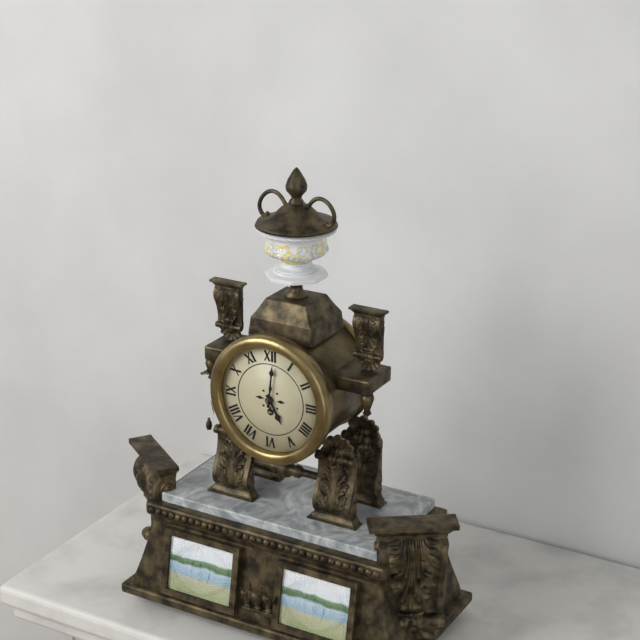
5.01
